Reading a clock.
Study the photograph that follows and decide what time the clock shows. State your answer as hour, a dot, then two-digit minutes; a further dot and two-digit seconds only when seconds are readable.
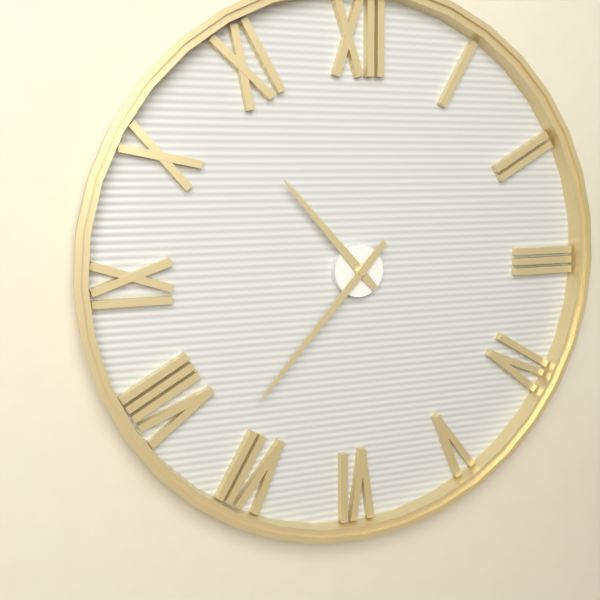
10.37
